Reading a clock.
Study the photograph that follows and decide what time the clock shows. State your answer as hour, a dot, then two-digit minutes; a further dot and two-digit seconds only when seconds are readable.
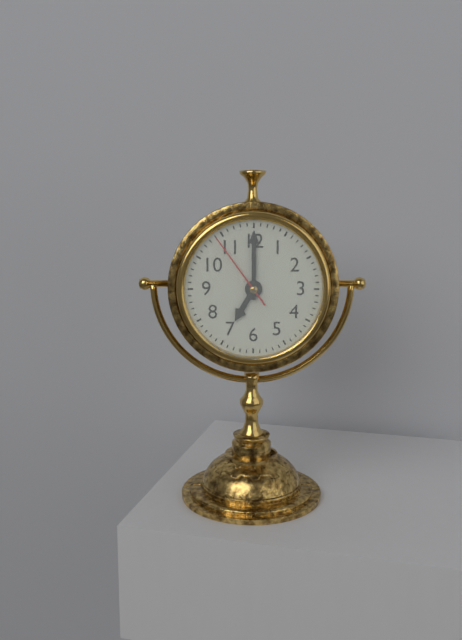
7.00.54
